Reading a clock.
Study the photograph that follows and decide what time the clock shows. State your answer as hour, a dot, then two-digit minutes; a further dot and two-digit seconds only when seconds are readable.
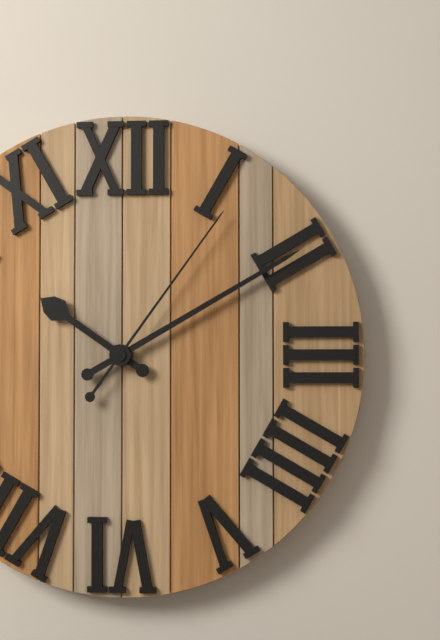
10.10.06
